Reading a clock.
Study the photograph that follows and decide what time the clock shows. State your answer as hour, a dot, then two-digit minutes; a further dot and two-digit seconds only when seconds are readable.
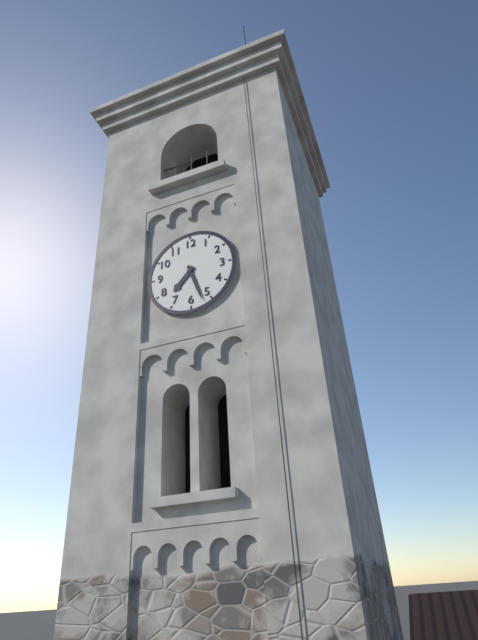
7.27
